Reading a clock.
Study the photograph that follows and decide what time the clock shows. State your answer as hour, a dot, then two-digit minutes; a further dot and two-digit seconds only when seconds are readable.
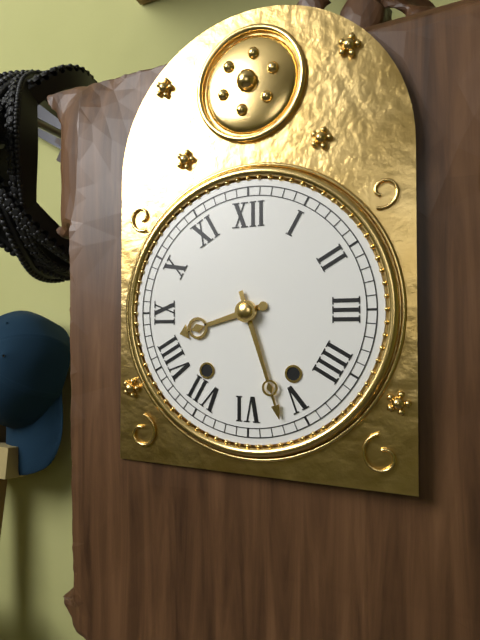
8.27
